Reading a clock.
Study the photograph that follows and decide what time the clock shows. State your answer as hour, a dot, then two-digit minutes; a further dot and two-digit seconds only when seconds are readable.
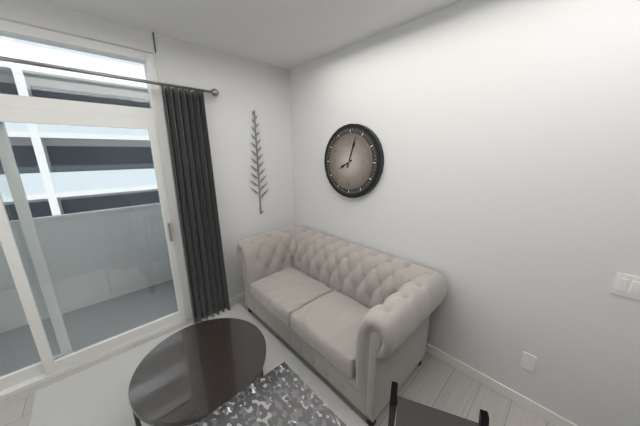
8.03
